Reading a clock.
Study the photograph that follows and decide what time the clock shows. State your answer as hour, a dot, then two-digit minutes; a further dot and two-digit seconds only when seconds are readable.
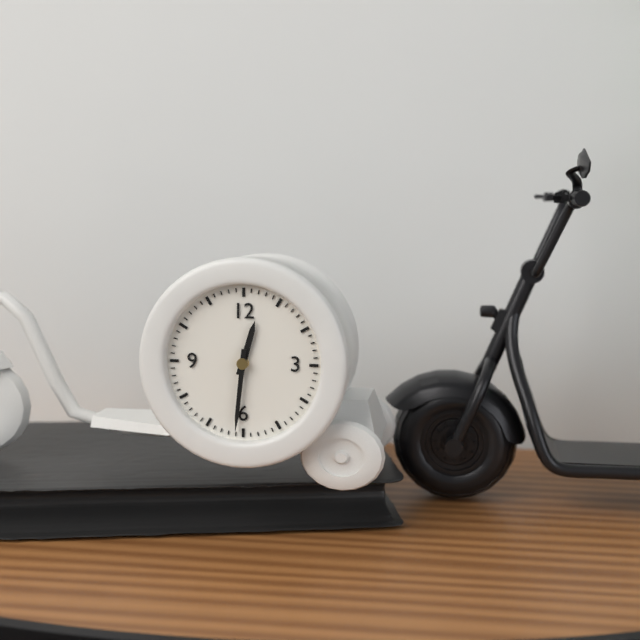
12.31
